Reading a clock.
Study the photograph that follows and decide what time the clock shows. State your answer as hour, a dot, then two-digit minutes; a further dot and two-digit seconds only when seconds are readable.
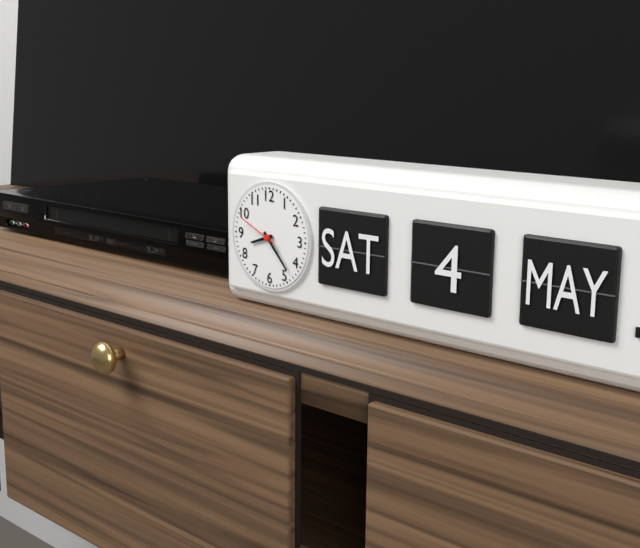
8.23
